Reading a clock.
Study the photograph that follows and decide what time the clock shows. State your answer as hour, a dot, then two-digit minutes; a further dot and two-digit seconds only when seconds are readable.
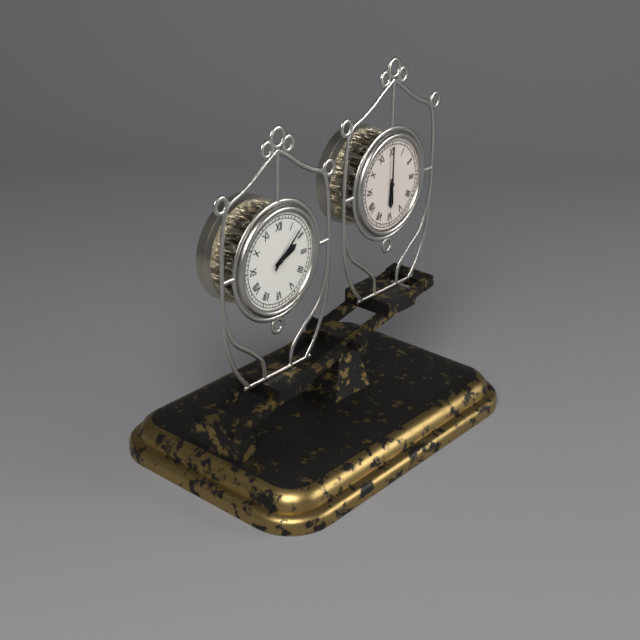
2.08
